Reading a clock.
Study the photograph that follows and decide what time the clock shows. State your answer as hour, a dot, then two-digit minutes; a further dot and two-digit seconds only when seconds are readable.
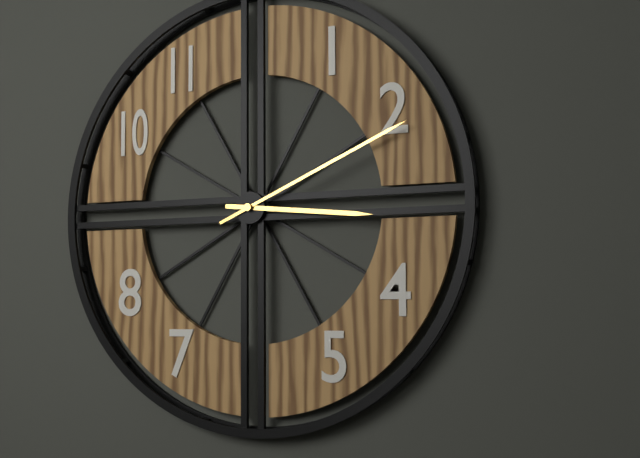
3.11
